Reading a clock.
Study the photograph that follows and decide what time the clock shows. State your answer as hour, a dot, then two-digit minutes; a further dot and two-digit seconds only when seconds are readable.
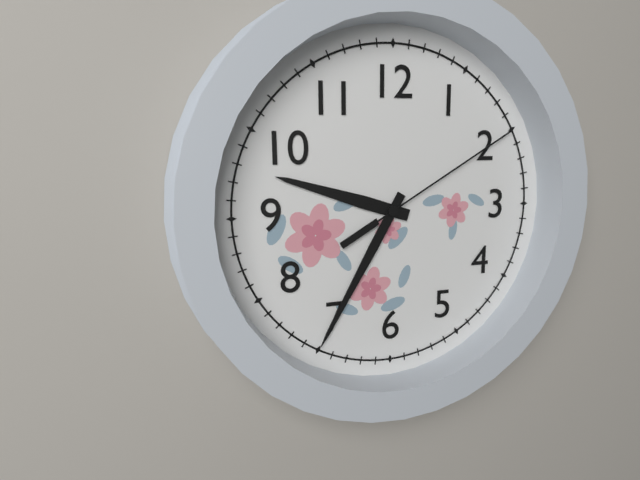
9.35.10
